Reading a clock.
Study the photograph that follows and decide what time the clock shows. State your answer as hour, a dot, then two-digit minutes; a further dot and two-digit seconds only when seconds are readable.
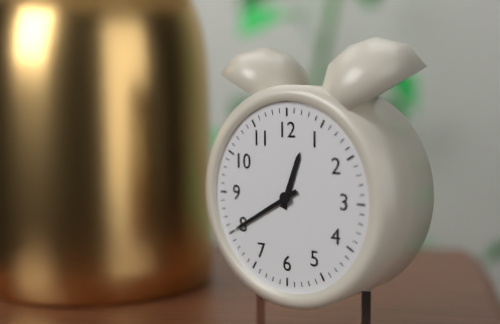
12.40
